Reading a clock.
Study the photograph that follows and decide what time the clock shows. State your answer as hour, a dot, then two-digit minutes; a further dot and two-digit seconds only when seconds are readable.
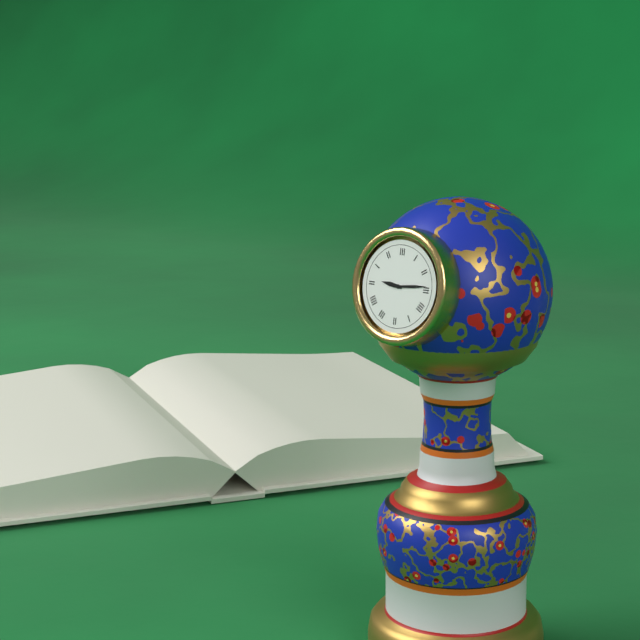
9.14
